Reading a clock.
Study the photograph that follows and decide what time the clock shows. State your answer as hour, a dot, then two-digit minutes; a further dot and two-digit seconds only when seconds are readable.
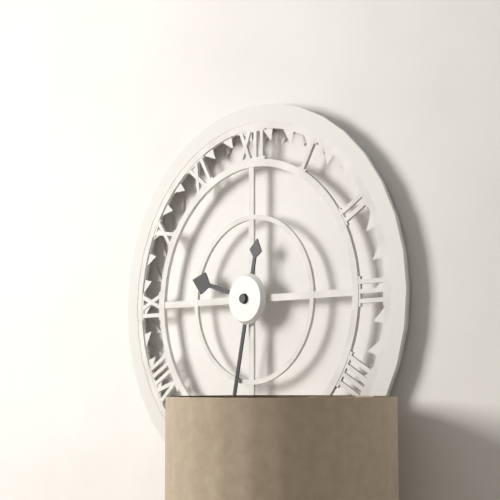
9.32
